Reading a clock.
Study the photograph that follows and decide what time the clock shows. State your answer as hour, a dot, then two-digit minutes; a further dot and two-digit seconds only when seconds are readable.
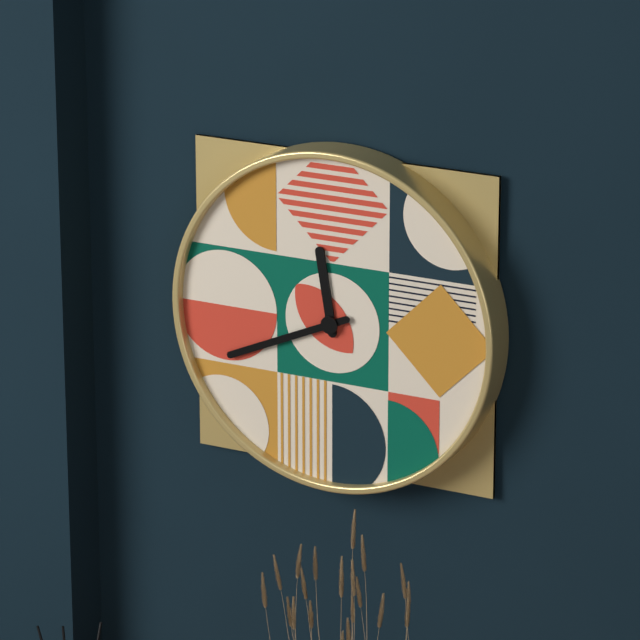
11.41
